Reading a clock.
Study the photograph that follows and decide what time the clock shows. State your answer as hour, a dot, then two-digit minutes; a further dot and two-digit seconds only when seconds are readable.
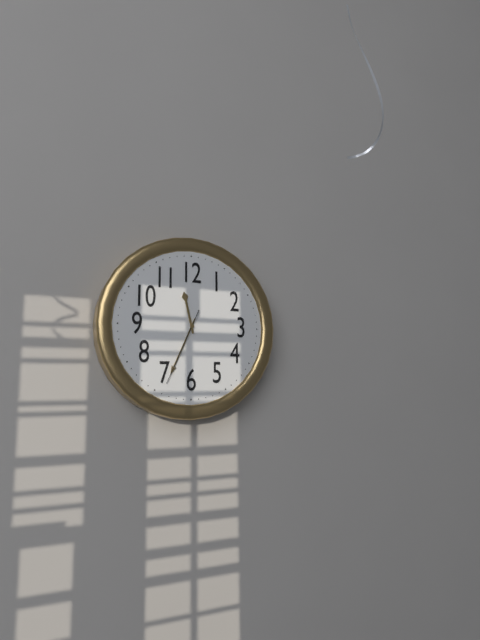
11.34.34
